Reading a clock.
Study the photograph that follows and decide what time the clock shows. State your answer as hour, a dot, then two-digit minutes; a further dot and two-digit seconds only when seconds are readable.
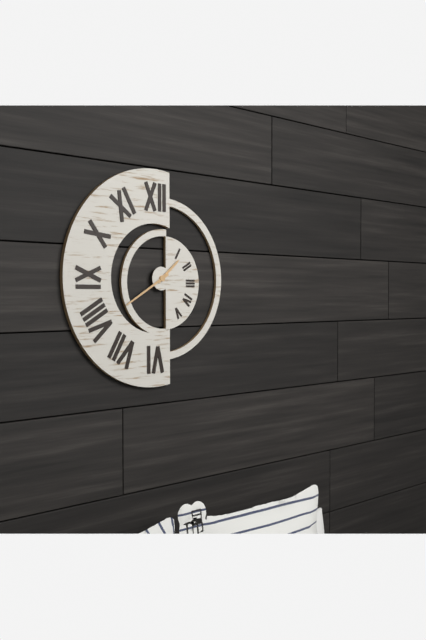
1.40
